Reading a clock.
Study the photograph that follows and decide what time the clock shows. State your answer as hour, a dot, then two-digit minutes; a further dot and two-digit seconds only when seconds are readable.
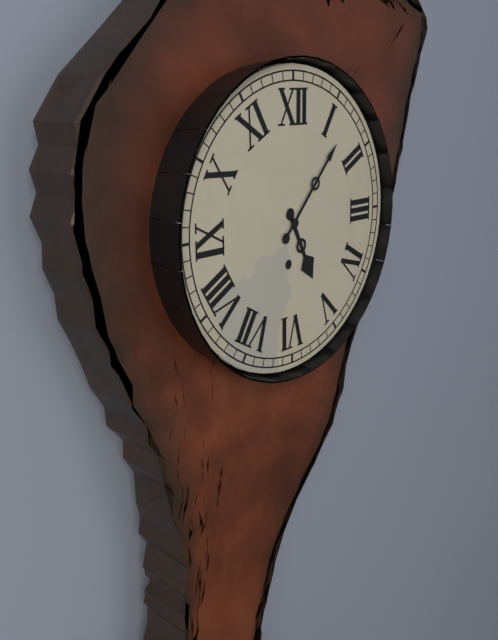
5.07
